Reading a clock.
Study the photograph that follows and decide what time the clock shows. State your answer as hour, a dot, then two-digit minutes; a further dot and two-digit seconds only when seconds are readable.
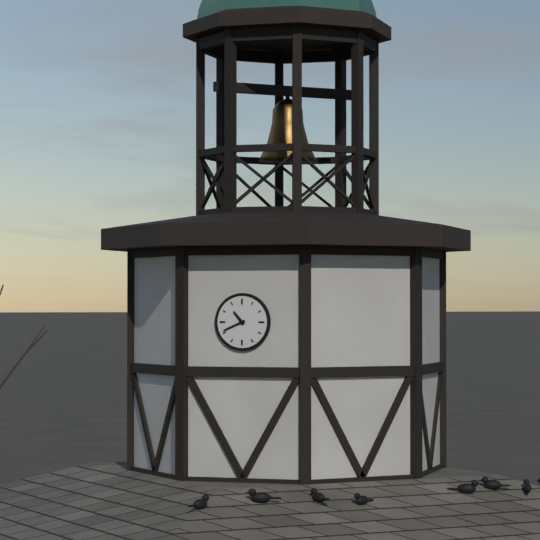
10.41
